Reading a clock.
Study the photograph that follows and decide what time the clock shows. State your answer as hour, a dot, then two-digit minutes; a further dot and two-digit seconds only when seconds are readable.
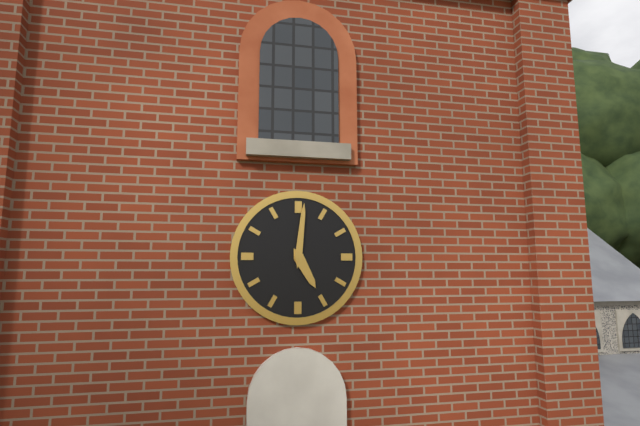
5.01
